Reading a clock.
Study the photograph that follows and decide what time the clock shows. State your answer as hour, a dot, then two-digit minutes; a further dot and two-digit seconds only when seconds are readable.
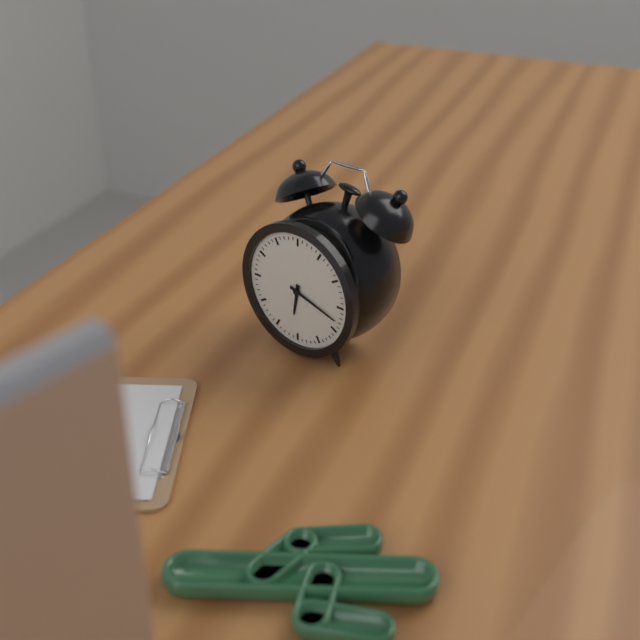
6.18
